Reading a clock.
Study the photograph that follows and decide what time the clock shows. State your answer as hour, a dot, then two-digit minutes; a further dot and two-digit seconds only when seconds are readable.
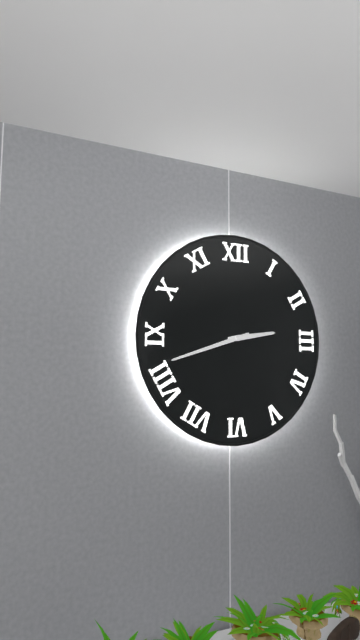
2.42
